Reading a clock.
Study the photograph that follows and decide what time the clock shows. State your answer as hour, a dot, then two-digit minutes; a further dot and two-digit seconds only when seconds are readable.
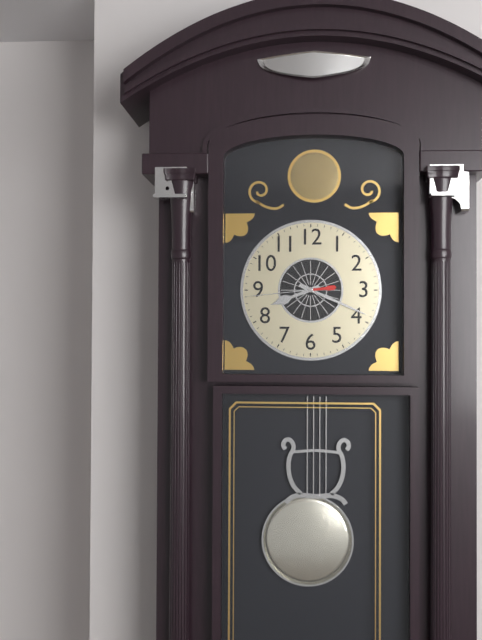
8.19.44
